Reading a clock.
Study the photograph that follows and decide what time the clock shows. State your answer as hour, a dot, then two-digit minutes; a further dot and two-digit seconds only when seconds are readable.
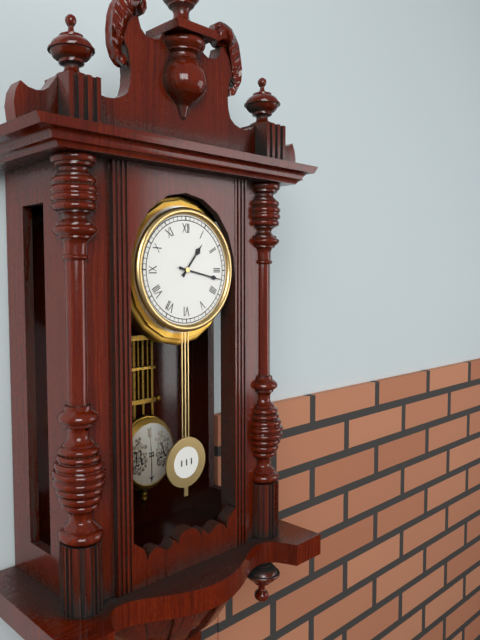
1.17
